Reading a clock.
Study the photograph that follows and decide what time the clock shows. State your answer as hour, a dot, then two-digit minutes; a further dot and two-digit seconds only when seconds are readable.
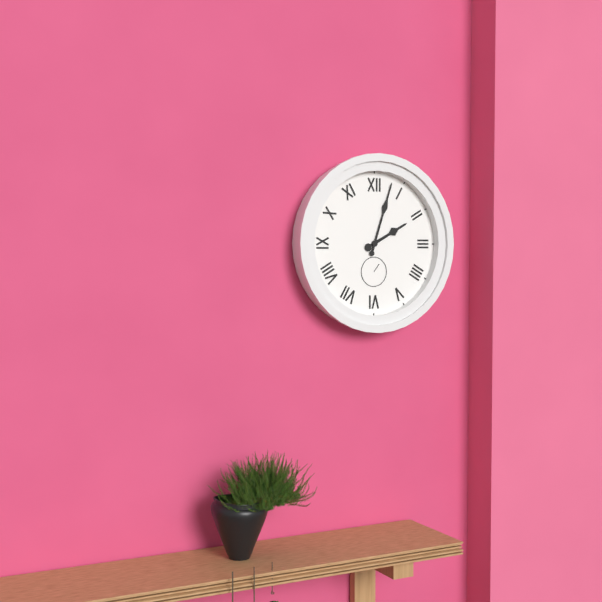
2.03
